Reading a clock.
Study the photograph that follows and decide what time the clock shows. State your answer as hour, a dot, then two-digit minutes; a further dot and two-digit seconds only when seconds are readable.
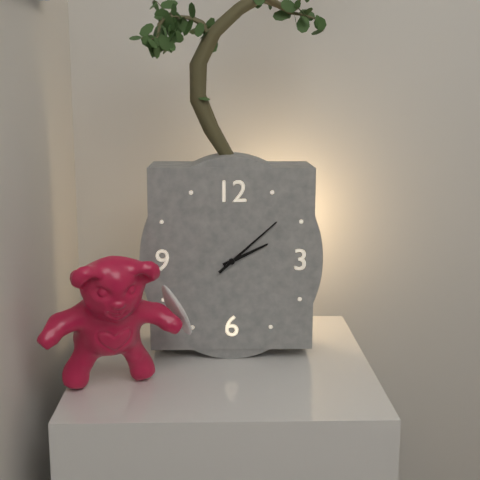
2.08
